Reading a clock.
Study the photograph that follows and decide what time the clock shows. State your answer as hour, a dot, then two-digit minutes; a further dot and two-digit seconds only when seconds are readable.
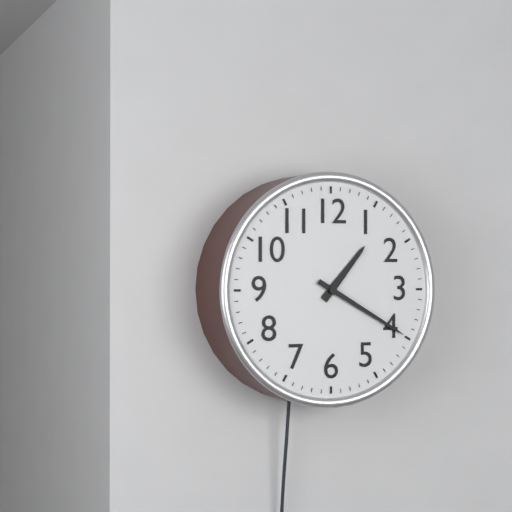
1.20
